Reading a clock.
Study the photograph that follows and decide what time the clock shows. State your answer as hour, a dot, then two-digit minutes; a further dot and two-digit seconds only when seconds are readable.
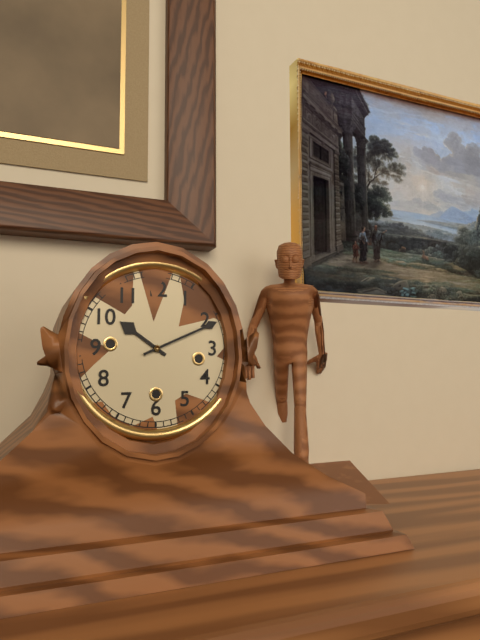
10.11
